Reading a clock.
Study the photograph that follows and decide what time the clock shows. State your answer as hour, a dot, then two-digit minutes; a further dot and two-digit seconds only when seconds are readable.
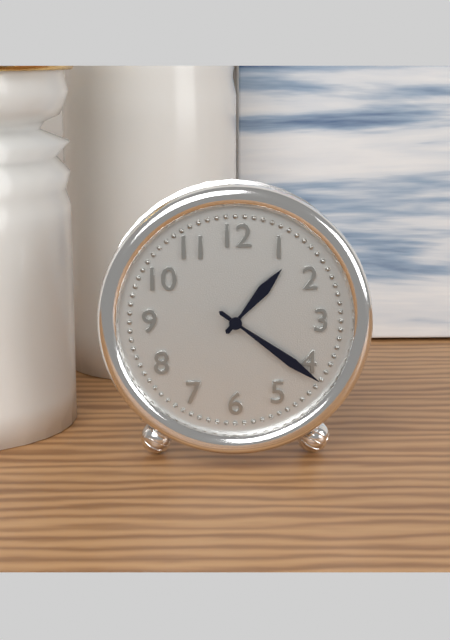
1.21
